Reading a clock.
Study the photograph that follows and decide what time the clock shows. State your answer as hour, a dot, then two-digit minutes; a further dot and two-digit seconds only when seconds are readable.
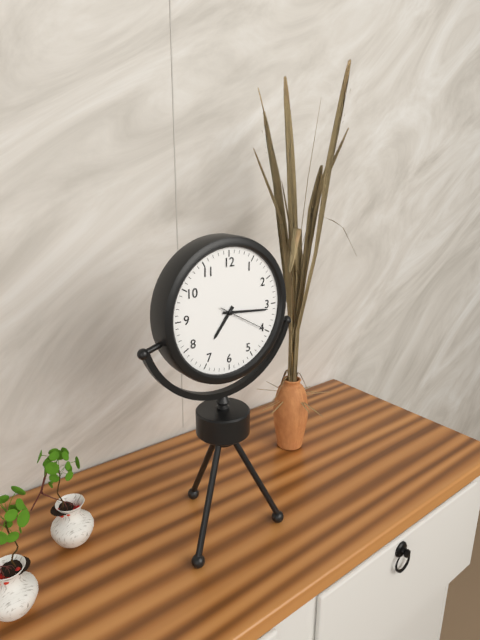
7.16.20
